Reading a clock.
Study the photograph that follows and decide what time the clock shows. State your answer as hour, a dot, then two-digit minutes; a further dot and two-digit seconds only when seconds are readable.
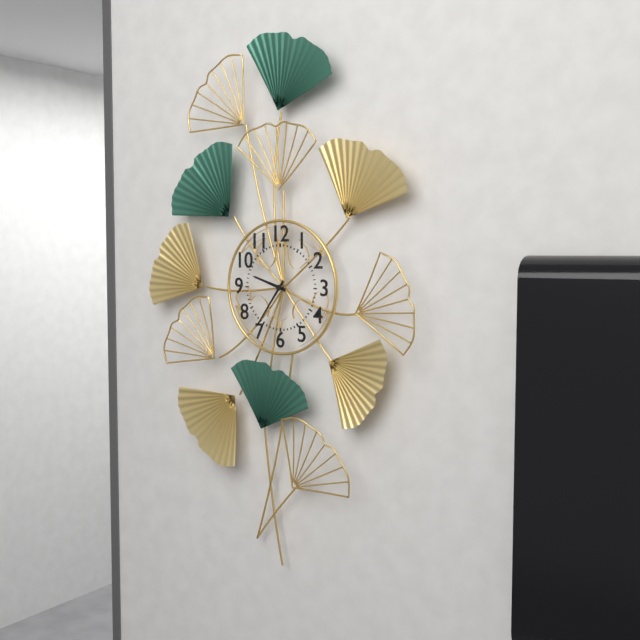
9.36
